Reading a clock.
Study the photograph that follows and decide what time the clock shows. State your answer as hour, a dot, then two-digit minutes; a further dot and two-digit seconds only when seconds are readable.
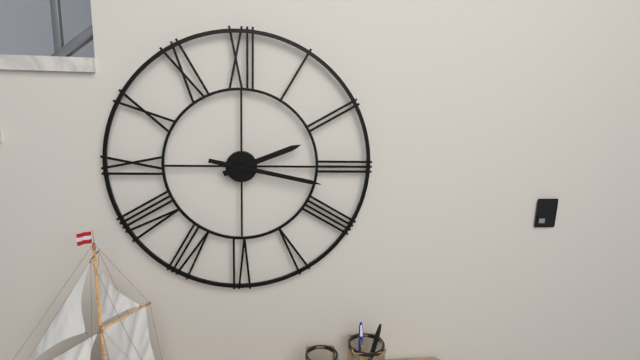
2.17
